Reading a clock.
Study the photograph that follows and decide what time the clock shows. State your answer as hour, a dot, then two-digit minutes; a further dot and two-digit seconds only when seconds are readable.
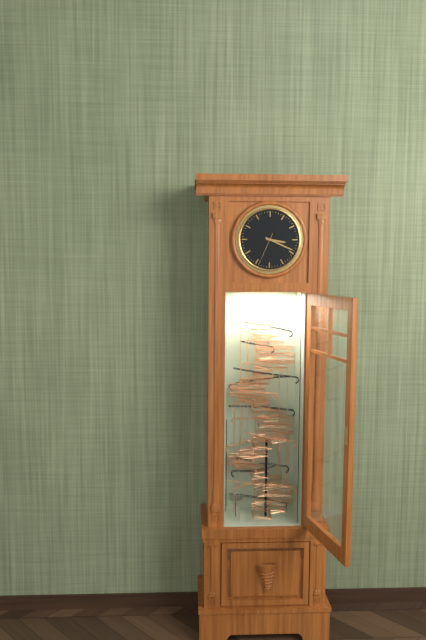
3.19
